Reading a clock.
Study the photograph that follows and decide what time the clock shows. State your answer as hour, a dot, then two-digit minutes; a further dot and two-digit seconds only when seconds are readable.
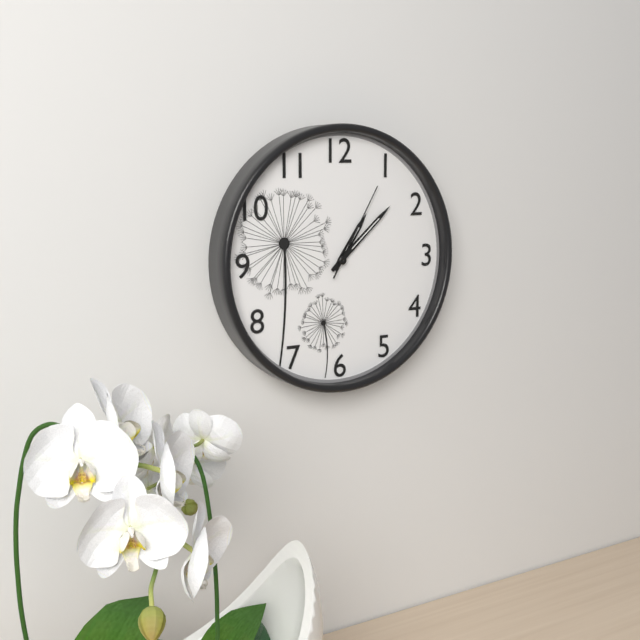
1.08.05
